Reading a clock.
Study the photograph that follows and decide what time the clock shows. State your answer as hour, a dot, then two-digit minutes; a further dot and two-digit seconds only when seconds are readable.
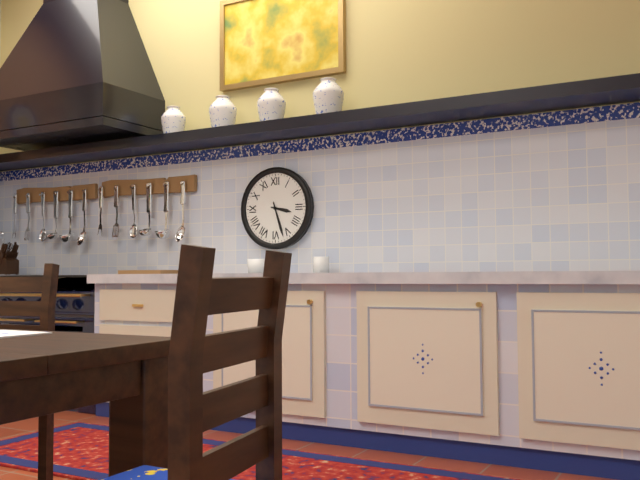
3.27
